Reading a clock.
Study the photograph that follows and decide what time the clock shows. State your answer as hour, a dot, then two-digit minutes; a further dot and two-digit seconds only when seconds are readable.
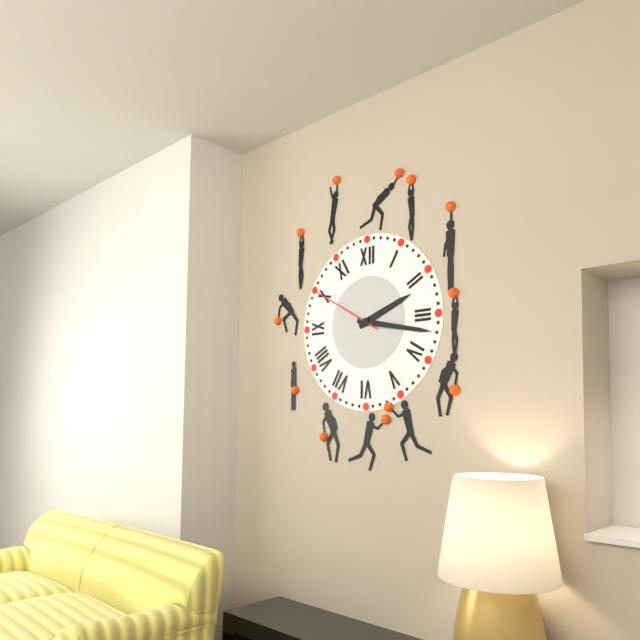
2.17.50
